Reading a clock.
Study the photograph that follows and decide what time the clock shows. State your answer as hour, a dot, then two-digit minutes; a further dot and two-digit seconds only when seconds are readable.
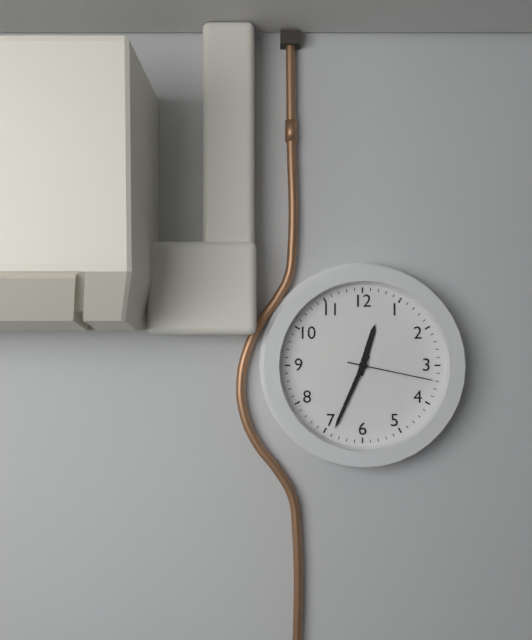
12.34.17
